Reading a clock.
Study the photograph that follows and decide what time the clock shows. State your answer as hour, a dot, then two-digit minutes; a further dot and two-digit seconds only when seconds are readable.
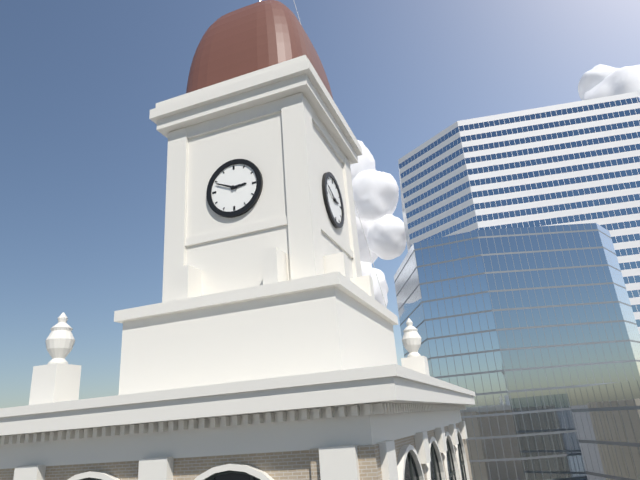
2.49
